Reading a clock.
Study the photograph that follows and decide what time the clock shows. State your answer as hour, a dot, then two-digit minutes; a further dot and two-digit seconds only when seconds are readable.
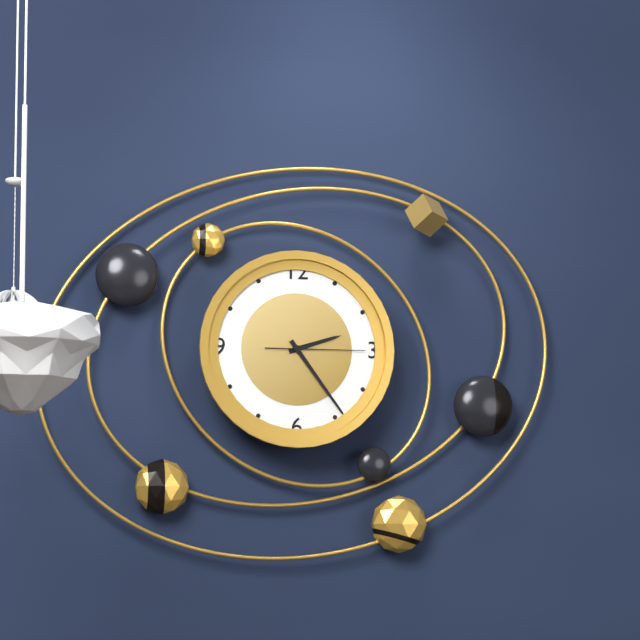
2.24.15
